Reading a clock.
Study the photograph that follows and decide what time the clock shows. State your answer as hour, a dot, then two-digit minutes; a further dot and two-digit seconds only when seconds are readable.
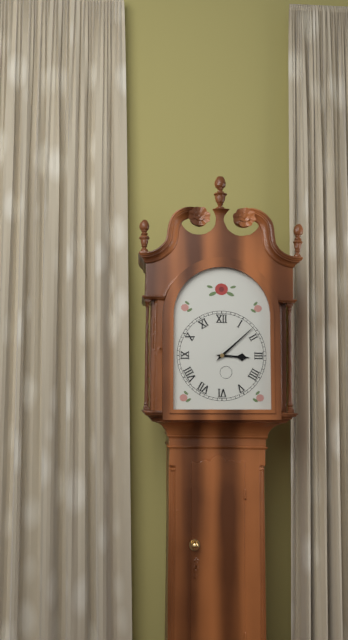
3.08
